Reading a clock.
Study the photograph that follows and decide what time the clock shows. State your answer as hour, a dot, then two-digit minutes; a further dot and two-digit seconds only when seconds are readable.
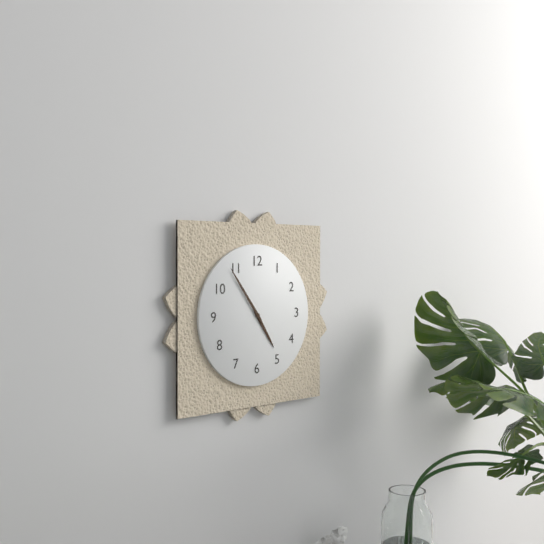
4.54
